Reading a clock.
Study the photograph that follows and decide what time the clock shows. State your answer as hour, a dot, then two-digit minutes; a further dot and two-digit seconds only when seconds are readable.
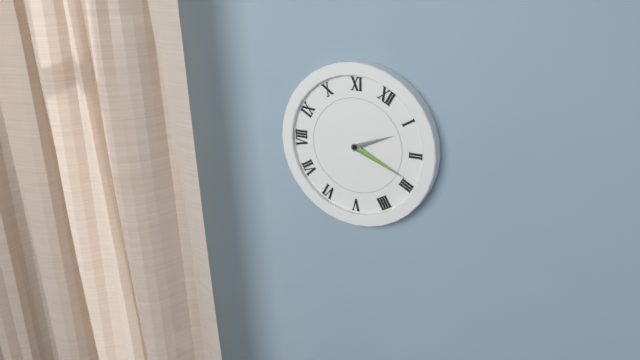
1.14
